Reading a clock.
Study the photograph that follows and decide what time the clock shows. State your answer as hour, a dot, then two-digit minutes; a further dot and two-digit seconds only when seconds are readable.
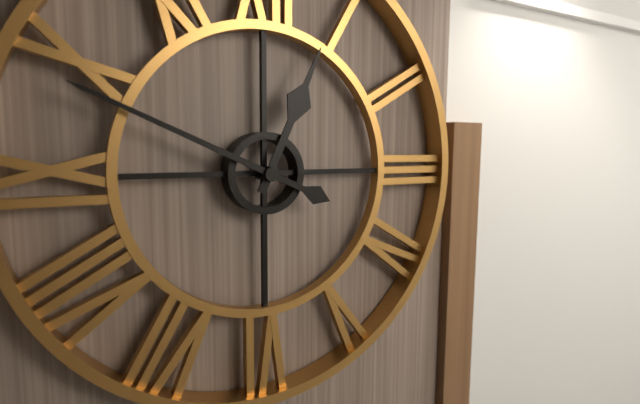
12.49
